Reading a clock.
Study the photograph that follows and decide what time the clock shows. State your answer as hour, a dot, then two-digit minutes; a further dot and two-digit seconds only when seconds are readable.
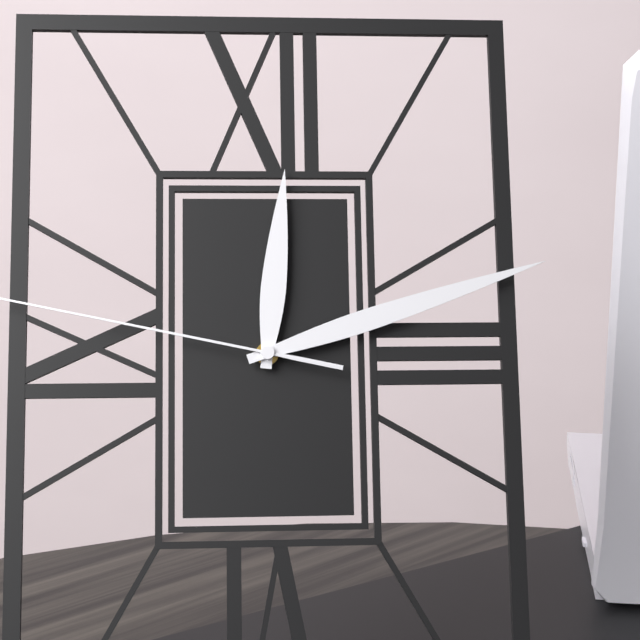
12.12
